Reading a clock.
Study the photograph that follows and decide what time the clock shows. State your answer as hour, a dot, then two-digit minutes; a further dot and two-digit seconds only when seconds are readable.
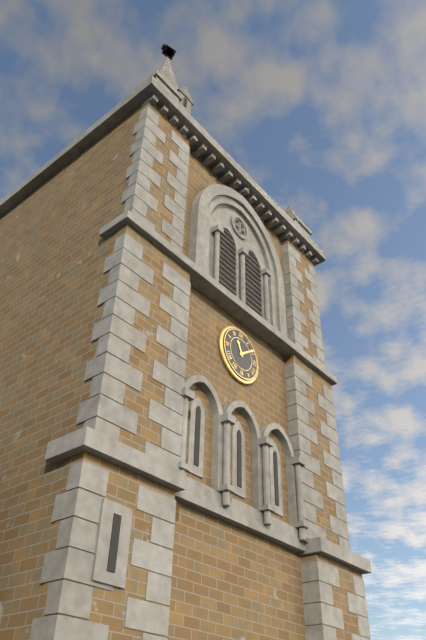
11.09
